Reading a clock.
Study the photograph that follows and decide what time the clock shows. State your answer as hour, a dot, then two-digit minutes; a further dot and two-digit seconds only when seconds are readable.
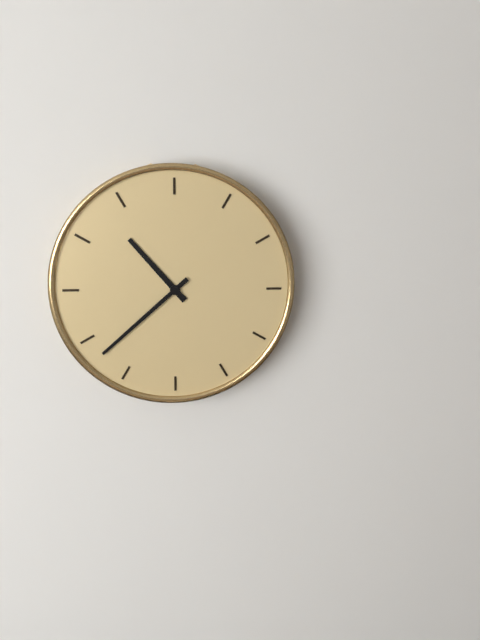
10.38
